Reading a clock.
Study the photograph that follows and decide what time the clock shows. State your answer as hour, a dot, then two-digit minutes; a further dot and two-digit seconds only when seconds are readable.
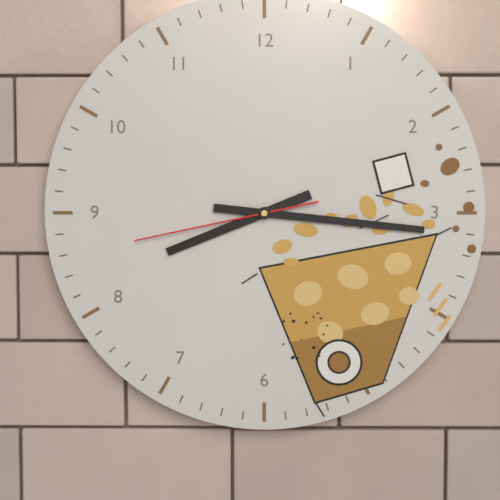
8.16.43
